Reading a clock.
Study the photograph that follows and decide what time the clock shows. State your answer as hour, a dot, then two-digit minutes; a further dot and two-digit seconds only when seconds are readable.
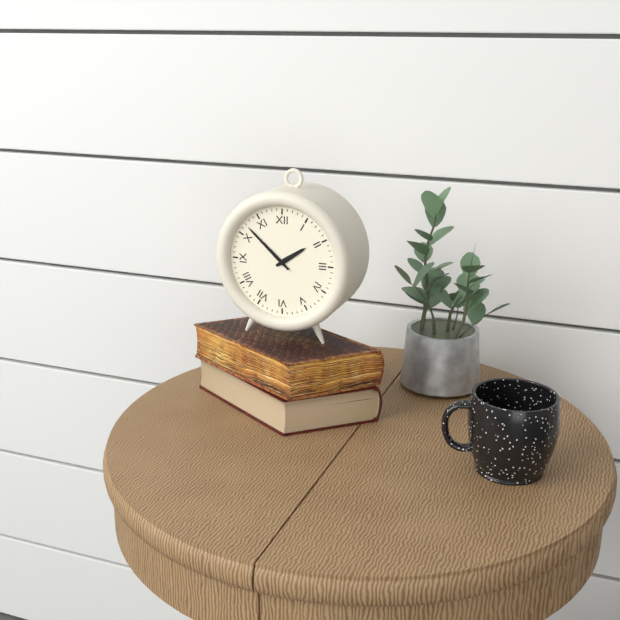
1.52
